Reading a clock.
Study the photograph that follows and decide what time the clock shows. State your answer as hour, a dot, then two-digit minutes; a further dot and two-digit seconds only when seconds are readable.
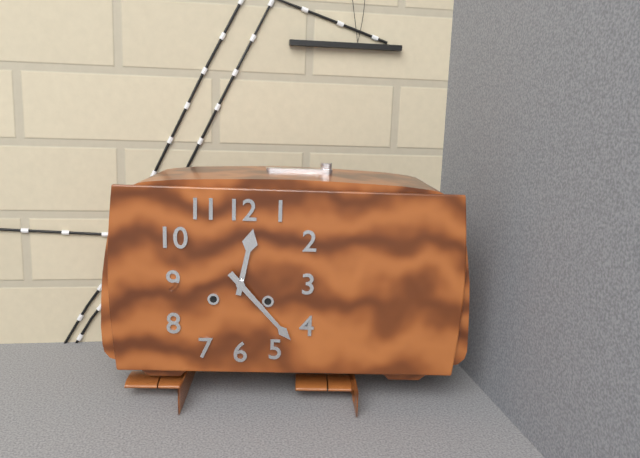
12.23
